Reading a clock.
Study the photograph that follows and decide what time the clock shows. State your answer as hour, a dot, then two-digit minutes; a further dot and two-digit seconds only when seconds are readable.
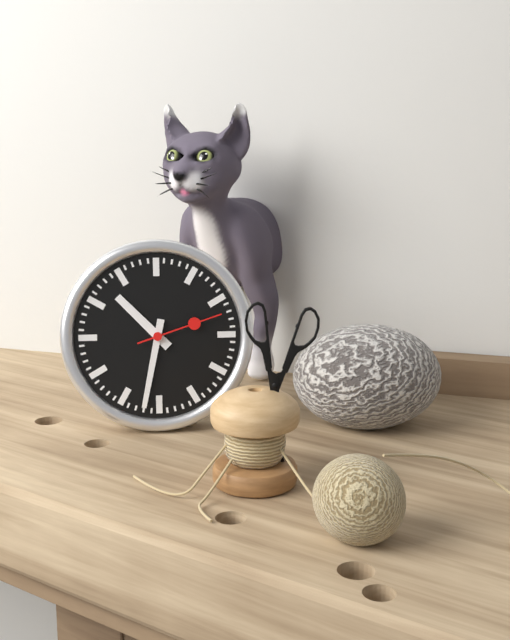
10.32.12
